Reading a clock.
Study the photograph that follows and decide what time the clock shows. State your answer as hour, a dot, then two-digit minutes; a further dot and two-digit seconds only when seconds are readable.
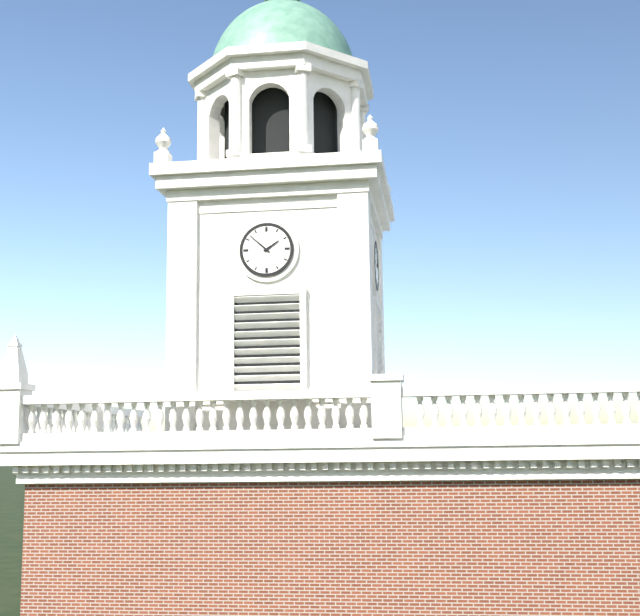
1.52
